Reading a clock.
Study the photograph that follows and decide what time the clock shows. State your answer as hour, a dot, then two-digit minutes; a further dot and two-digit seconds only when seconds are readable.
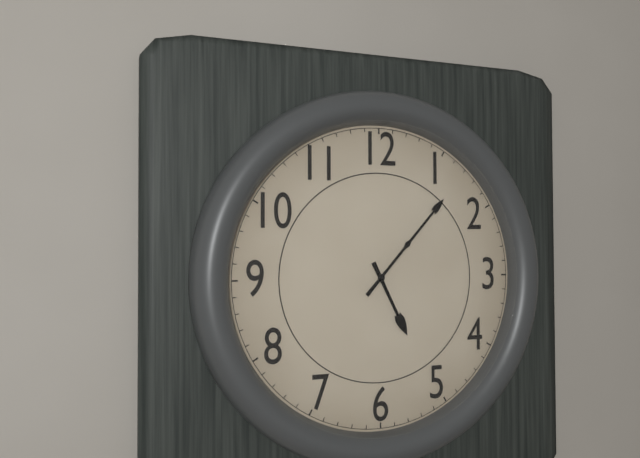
5.07
